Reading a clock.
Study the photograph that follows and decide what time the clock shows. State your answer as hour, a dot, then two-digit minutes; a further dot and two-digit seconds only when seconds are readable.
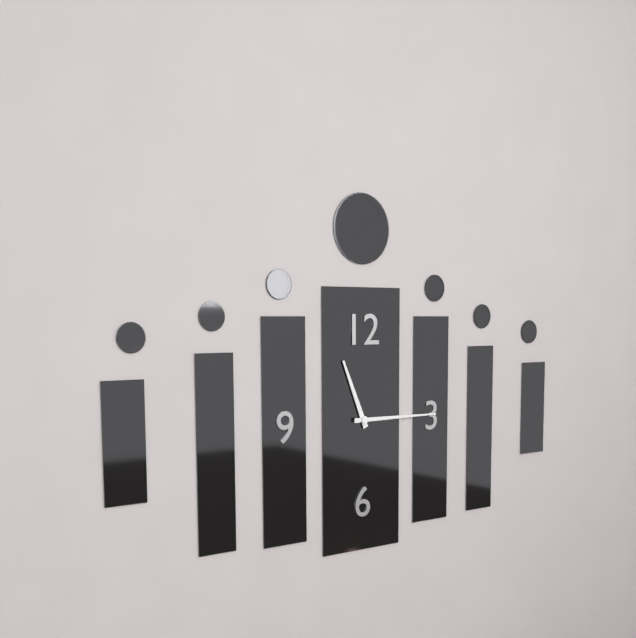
11.15
